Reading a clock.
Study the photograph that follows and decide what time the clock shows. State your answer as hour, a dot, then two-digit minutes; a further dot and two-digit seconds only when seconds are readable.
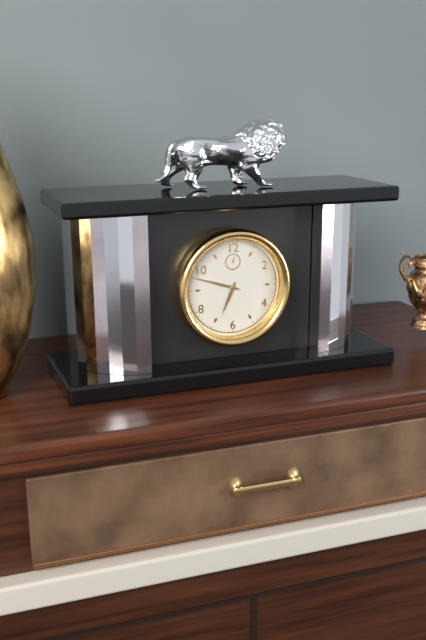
6.48
